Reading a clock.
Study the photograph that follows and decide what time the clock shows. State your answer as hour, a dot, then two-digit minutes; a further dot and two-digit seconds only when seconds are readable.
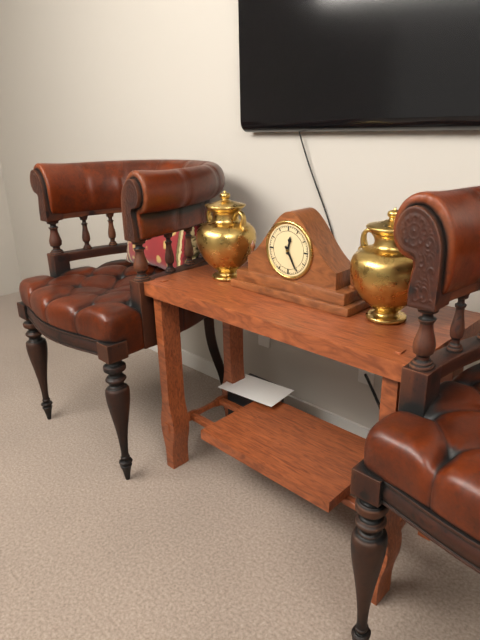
12.25
